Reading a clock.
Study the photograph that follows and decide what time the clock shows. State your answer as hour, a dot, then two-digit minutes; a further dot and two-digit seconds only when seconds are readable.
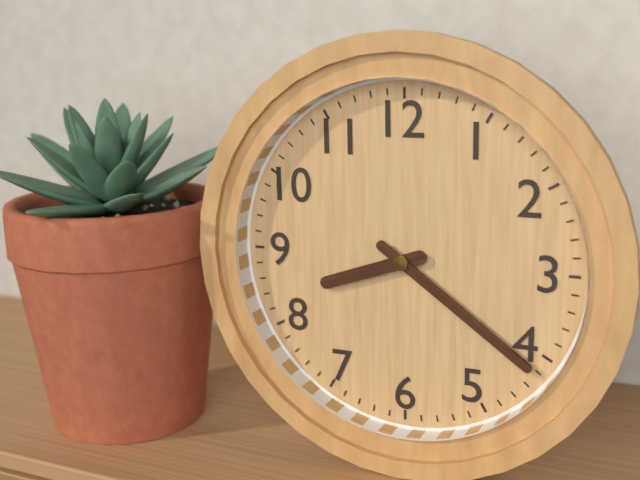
8.21
